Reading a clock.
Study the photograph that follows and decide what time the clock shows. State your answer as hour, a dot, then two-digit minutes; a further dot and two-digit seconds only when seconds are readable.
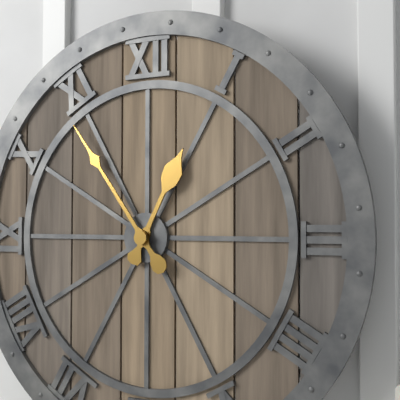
12.54
